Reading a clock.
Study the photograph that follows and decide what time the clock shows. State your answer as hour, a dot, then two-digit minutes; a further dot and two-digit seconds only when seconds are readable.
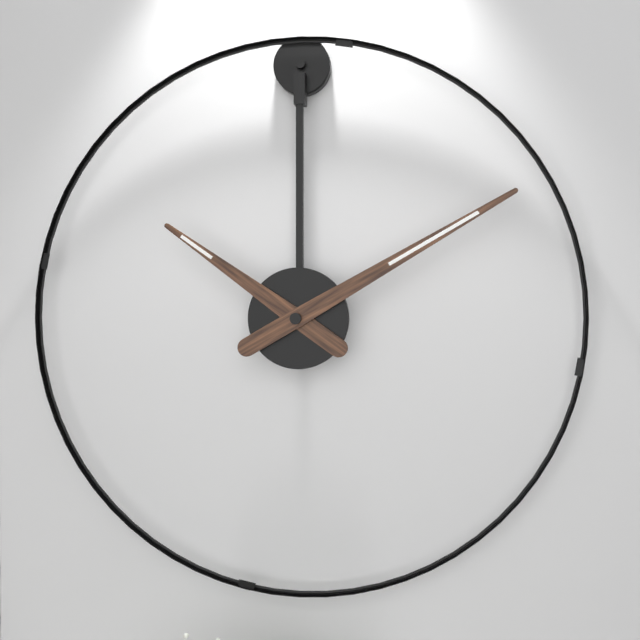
10.10
